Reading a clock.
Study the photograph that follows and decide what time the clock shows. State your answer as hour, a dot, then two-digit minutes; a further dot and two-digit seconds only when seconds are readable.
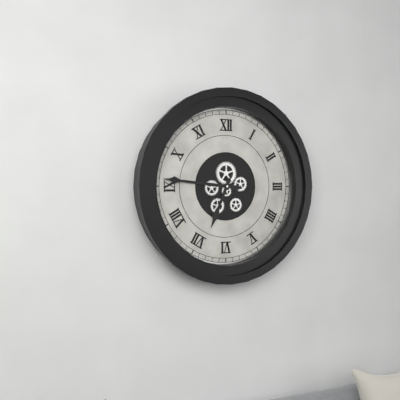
6.46
